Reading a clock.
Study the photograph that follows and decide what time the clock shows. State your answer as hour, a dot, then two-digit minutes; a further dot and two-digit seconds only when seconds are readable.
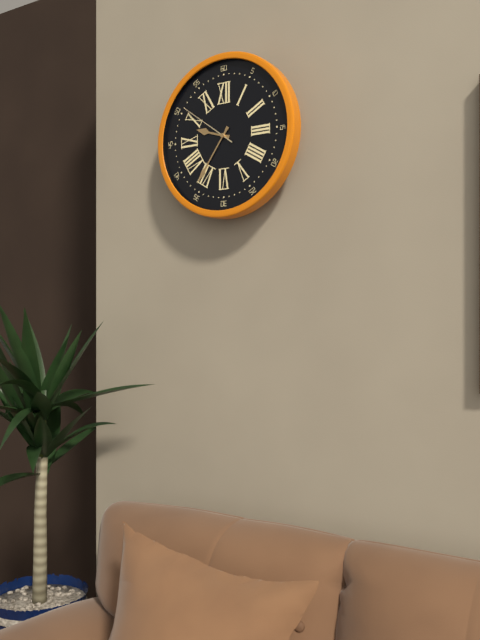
9.36.51
